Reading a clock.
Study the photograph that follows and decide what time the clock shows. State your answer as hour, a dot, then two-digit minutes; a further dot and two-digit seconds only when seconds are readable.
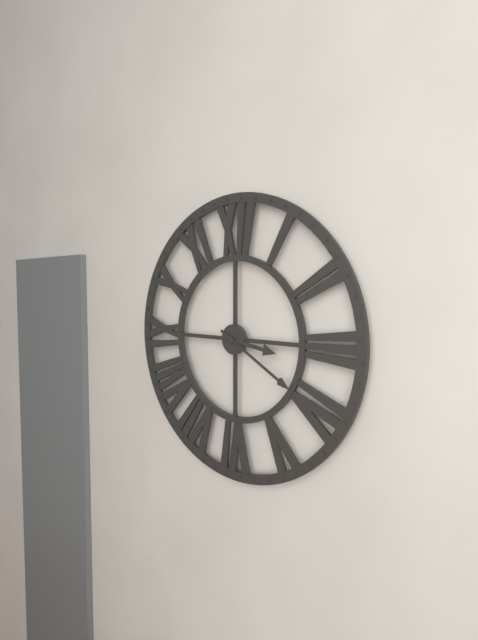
3.20
